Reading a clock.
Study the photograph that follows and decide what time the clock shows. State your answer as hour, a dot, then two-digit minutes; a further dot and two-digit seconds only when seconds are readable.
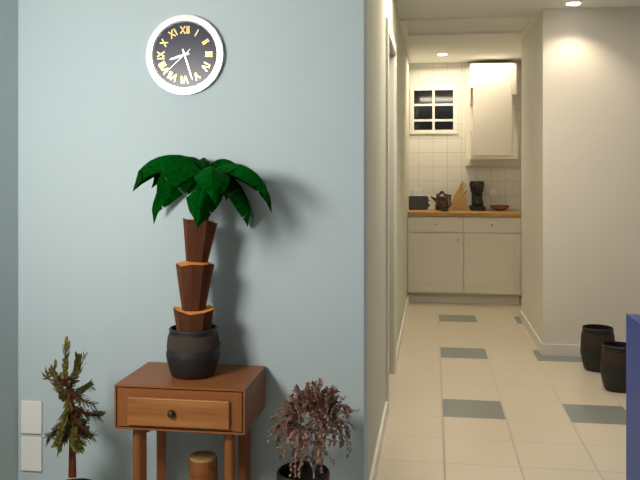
8.27
